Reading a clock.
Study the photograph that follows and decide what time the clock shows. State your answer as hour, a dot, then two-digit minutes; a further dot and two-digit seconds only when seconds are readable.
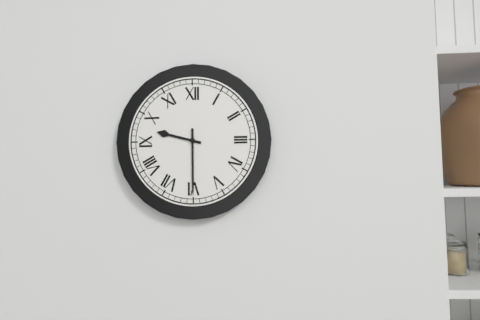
9.30
